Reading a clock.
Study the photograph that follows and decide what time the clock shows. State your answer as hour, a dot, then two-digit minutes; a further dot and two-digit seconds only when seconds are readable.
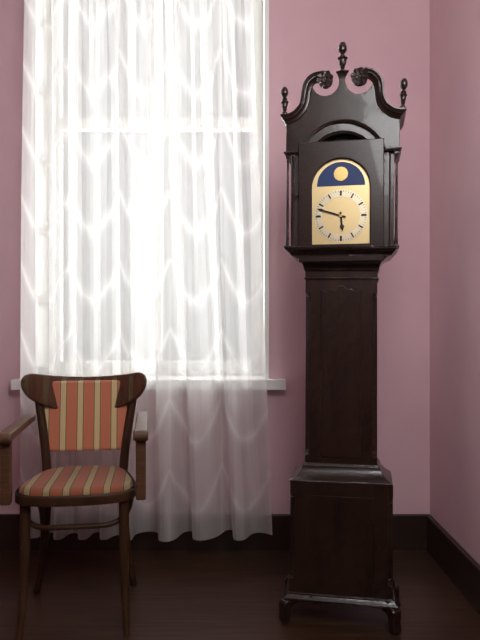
5.48
